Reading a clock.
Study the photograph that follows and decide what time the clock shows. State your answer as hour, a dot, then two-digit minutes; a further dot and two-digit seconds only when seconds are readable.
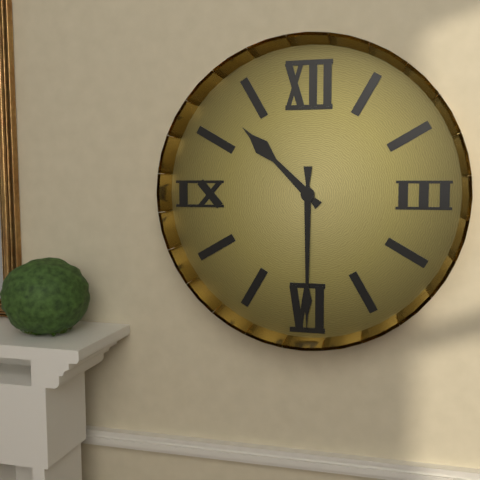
10.30
